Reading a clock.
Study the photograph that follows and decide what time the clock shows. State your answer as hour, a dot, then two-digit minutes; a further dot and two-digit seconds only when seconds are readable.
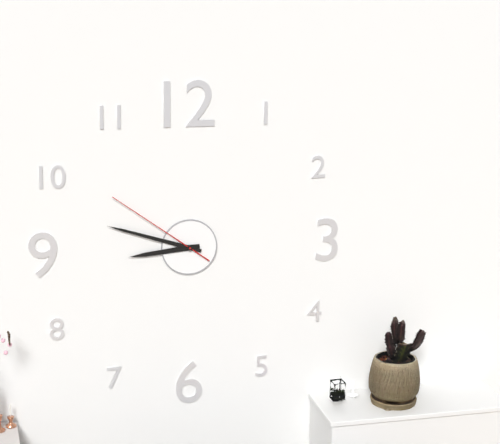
8.48.51
